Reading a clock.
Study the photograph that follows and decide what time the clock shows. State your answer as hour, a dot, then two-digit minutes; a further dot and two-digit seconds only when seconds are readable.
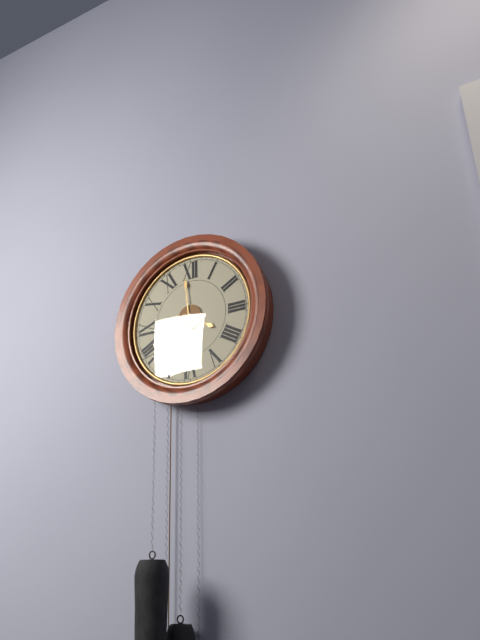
3.59
